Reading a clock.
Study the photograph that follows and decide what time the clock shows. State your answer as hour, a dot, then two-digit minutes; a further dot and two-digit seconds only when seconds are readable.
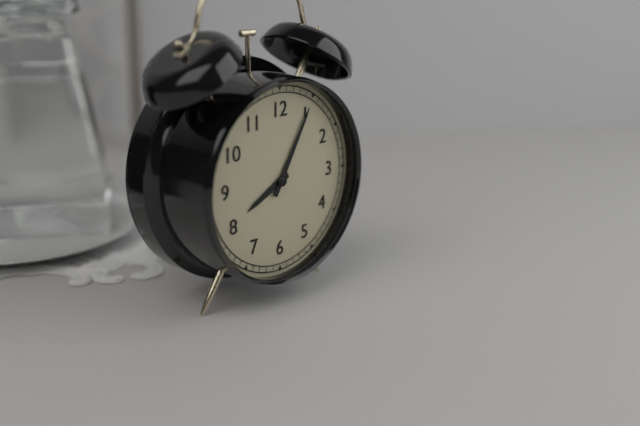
8.05
